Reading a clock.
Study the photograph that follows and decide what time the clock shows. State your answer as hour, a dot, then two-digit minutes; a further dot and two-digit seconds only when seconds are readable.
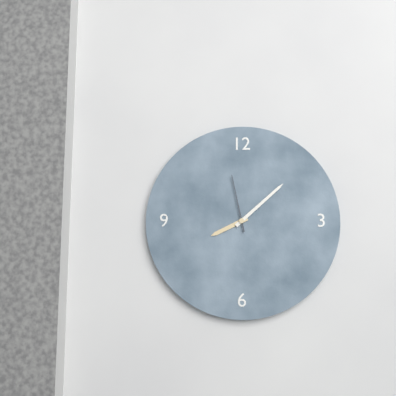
8.08.58
